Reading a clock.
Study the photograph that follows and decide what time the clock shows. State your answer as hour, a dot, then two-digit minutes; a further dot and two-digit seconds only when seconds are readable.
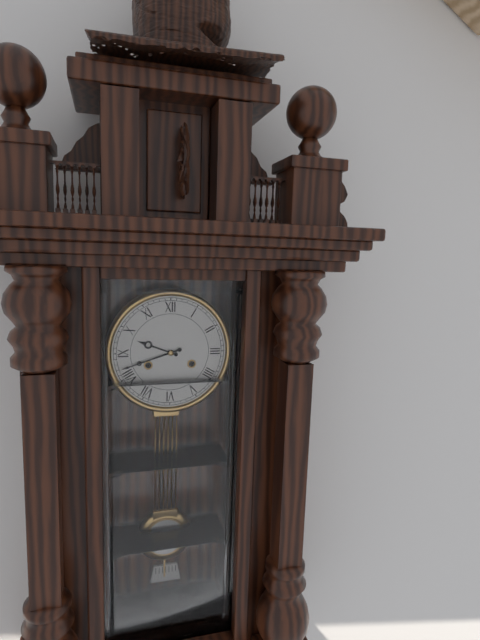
9.42
